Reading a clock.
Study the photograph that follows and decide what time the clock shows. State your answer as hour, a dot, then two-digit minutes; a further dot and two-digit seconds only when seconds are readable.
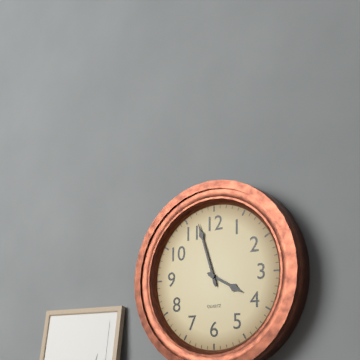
3.57
